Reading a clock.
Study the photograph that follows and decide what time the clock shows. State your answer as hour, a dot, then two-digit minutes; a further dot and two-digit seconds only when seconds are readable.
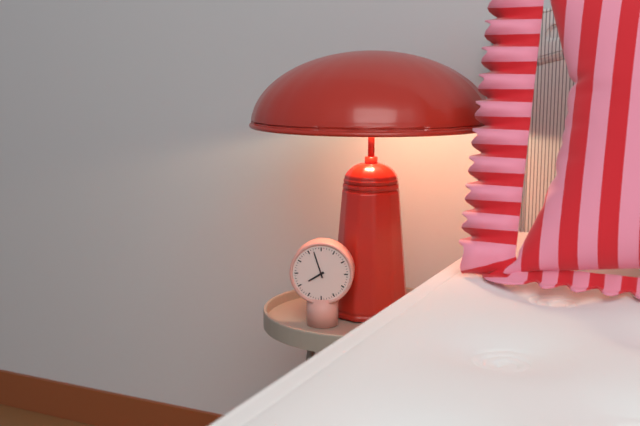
7.57
